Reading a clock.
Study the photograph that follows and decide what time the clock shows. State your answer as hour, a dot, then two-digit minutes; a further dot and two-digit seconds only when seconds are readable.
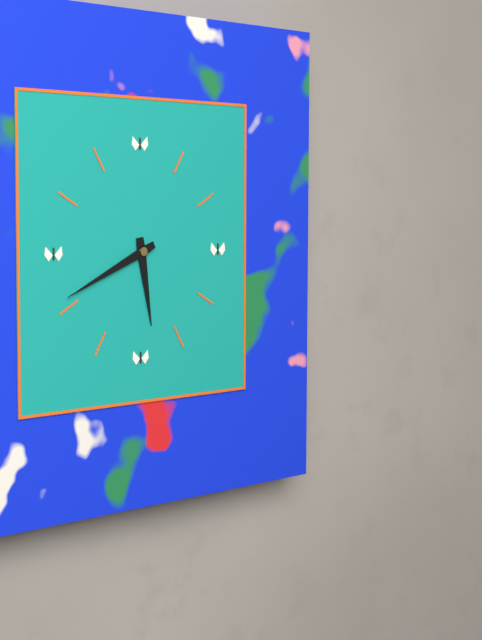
5.41
